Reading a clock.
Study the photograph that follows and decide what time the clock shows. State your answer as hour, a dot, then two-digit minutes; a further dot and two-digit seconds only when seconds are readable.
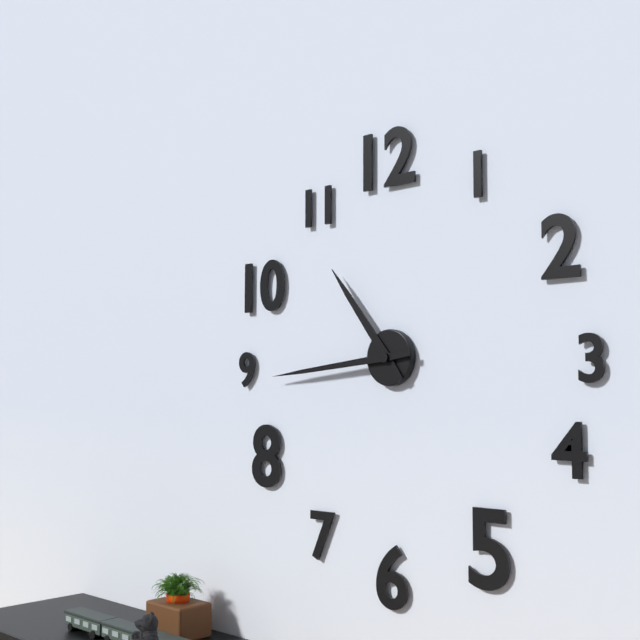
10.44
